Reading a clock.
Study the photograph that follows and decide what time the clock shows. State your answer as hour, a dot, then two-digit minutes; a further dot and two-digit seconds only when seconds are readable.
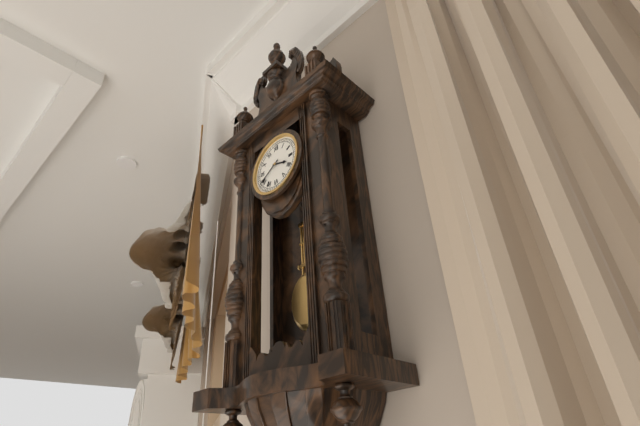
3.40
